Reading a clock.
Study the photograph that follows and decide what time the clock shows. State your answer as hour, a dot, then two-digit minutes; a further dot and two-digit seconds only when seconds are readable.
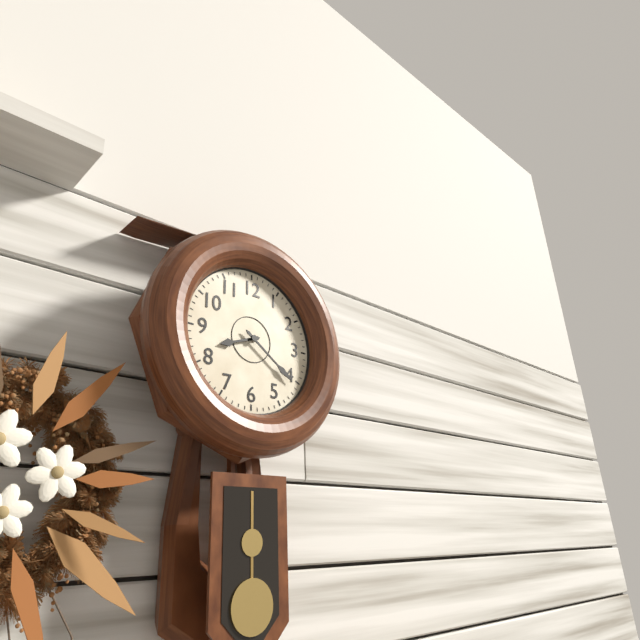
8.21
